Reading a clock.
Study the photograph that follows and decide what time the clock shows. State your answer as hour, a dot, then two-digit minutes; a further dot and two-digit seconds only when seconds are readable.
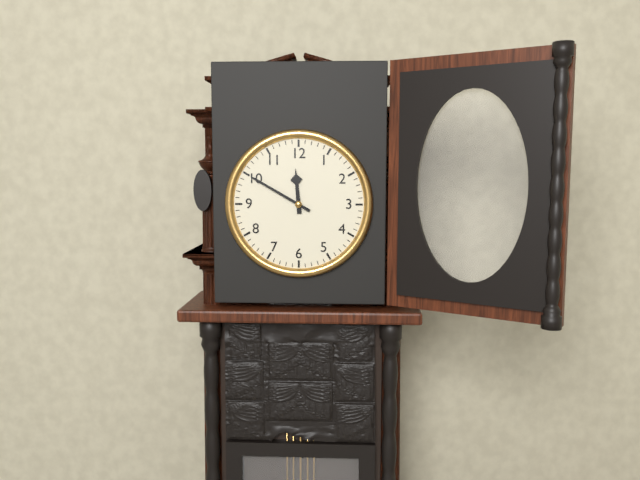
11.50
